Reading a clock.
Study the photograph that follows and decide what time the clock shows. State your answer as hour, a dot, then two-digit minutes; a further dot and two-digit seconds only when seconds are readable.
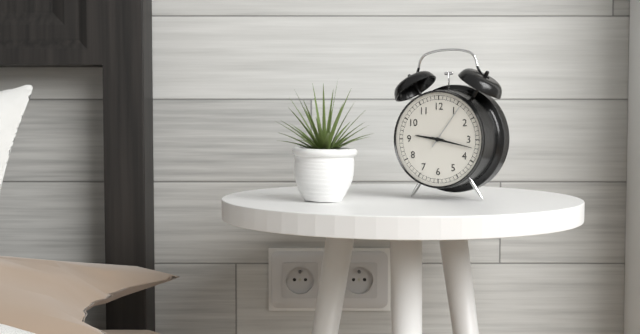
9.17
